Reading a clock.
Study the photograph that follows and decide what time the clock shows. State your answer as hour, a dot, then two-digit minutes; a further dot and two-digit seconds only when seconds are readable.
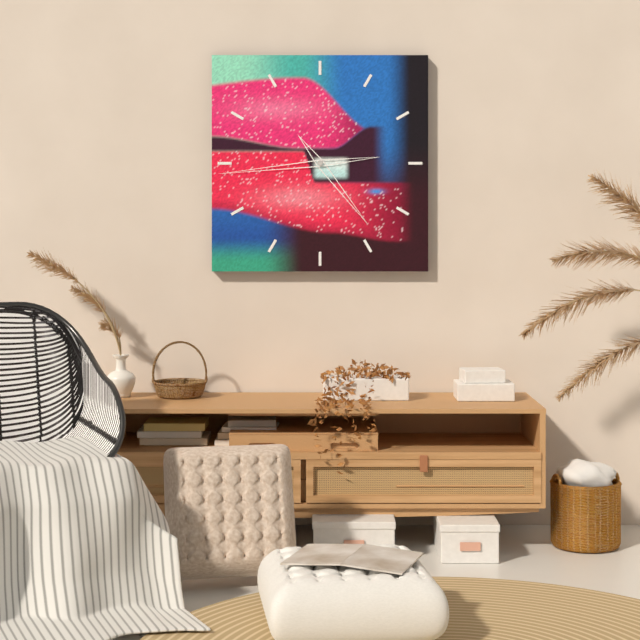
4.44
